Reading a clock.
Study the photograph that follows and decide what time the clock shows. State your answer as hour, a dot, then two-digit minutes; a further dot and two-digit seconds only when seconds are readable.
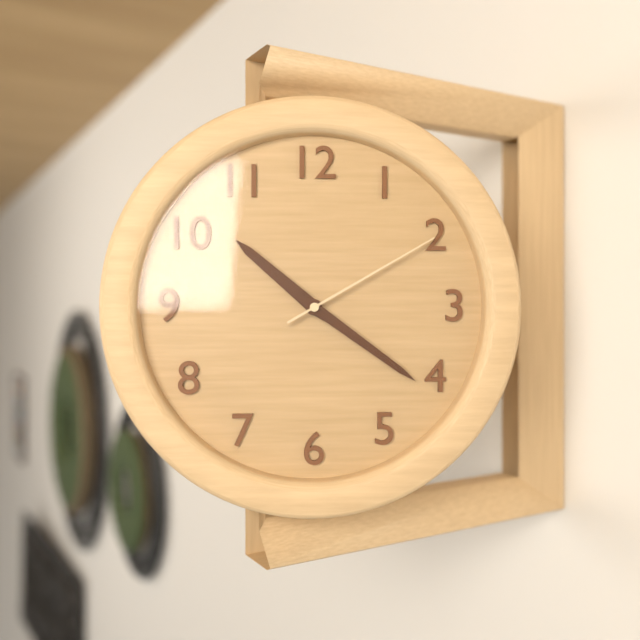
10.21.10
